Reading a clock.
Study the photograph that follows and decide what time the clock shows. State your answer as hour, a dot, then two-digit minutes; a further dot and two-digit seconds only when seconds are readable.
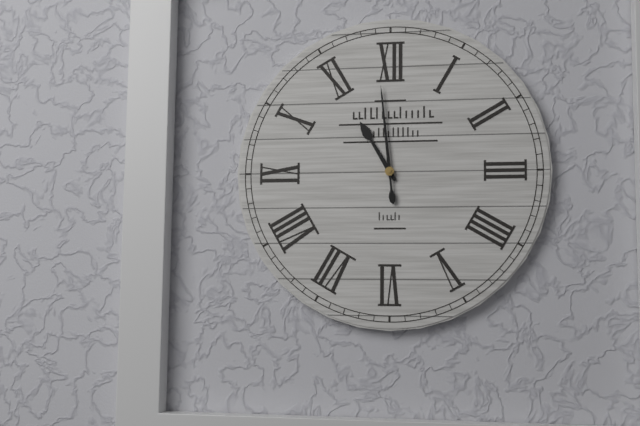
10.59
